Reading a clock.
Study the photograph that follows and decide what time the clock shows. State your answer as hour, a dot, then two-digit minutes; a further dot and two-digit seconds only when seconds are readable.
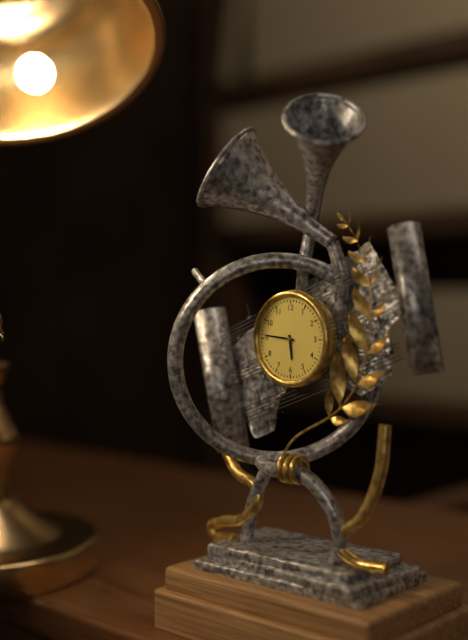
5.46
